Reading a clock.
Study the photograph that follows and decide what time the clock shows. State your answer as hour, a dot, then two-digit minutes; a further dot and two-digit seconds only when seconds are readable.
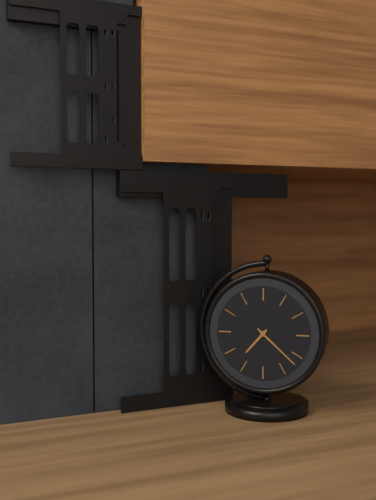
7.22
